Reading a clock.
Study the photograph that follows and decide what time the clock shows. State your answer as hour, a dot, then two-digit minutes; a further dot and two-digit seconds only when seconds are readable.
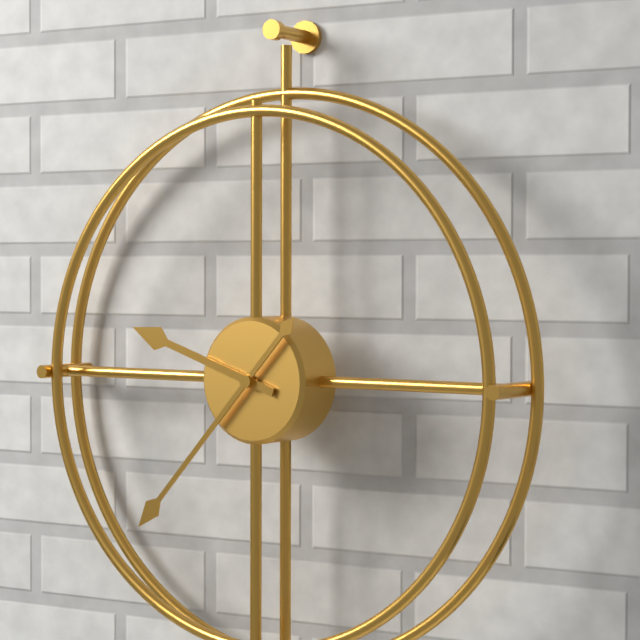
9.37
